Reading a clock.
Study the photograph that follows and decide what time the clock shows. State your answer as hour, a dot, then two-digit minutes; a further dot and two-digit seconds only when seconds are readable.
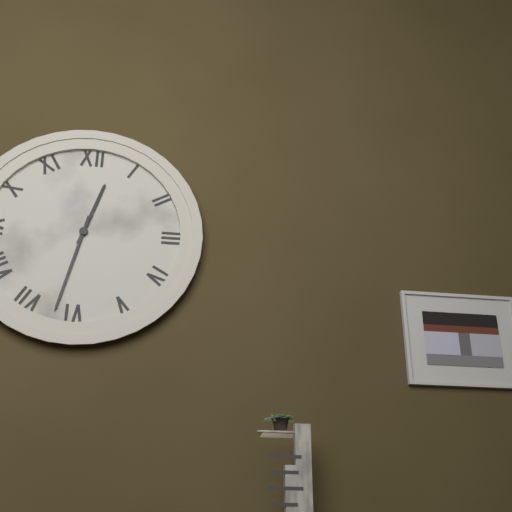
12.32
